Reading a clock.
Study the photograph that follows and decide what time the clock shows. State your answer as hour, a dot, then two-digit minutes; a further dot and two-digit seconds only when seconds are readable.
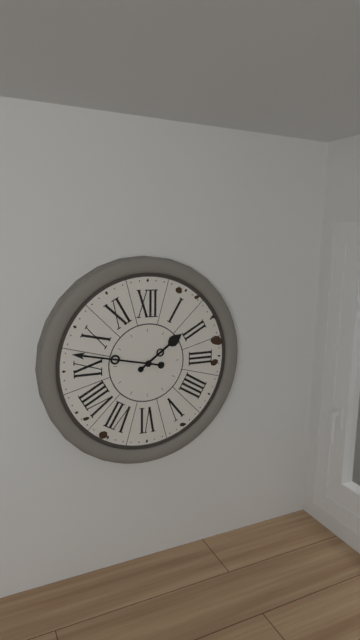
1.47
